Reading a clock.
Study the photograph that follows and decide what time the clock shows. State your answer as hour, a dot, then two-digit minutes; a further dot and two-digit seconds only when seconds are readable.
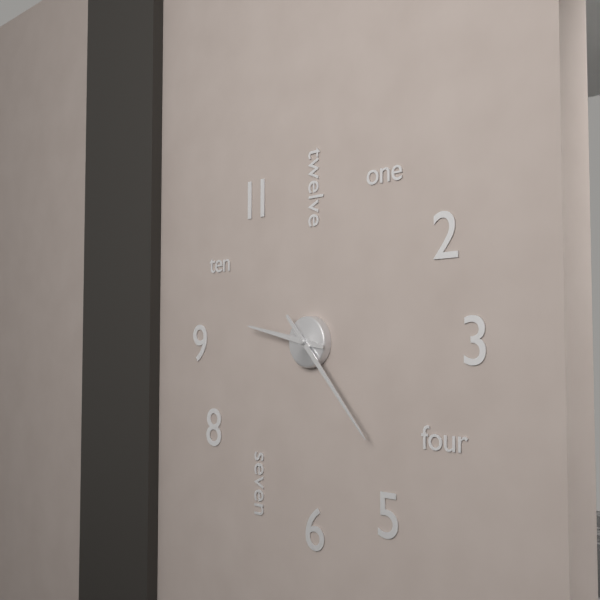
9.23
